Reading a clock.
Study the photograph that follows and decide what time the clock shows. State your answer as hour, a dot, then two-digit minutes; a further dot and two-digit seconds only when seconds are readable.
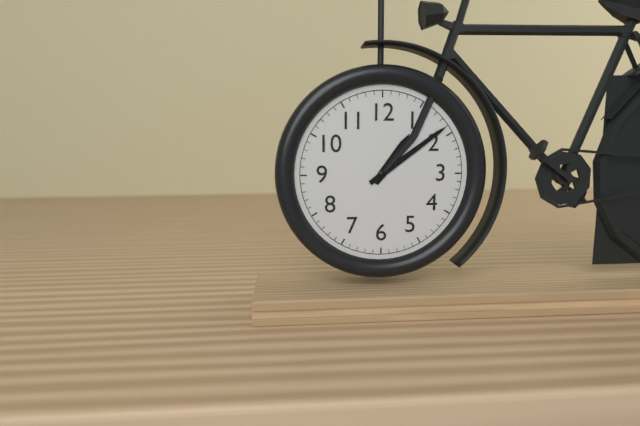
1.09
